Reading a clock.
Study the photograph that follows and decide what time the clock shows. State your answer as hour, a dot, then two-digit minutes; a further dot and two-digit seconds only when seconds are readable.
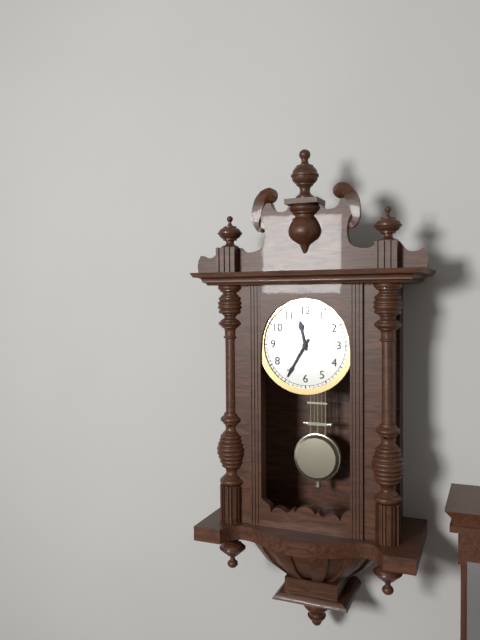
11.35
